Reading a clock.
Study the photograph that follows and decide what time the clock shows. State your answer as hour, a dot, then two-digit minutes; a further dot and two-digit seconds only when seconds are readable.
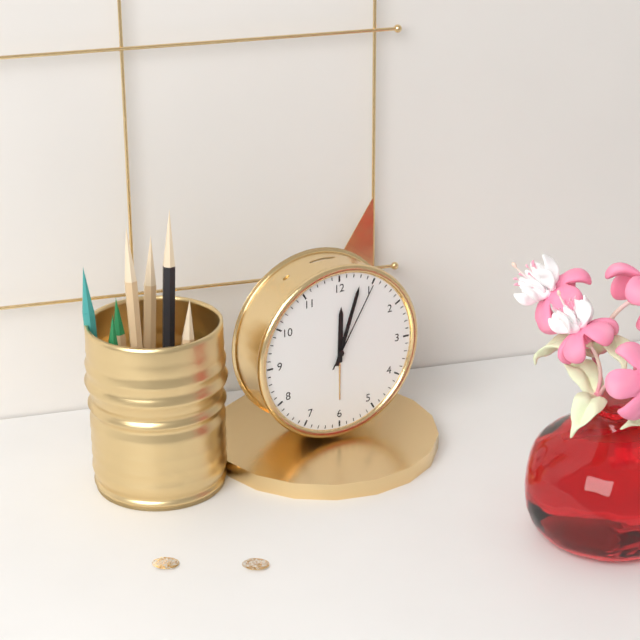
12.03.05
